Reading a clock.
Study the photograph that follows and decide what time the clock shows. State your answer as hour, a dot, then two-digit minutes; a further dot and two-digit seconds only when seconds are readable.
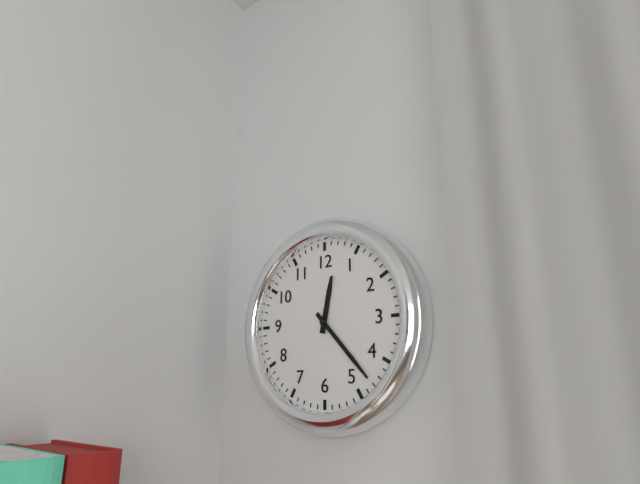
12.23
